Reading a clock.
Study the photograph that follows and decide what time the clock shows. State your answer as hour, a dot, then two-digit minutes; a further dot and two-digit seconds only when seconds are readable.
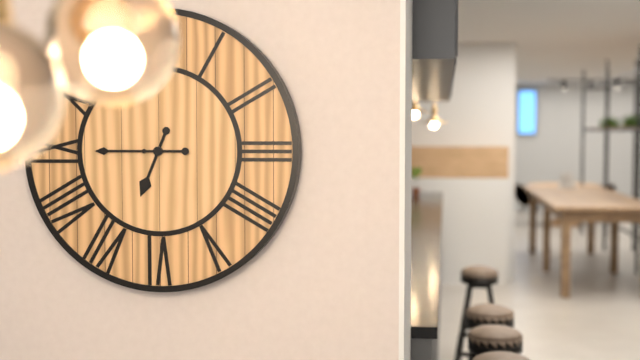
6.45
